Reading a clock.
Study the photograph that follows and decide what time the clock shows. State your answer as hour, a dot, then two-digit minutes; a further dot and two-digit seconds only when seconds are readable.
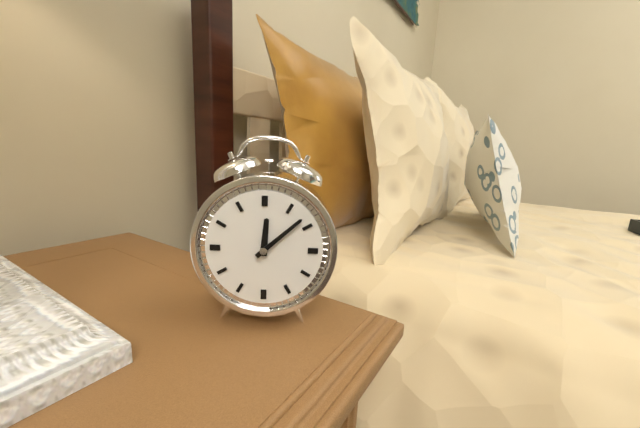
12.08
